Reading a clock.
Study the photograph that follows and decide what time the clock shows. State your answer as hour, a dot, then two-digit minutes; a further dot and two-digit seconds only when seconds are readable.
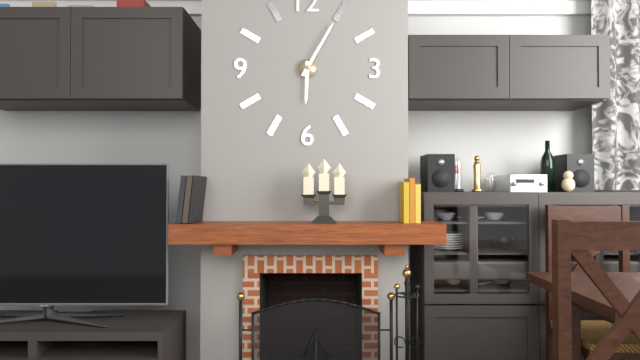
6.05
